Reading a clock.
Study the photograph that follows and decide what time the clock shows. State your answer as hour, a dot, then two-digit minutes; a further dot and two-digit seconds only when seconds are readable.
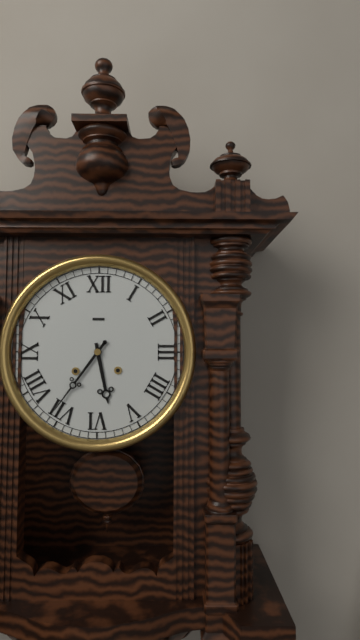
5.36
